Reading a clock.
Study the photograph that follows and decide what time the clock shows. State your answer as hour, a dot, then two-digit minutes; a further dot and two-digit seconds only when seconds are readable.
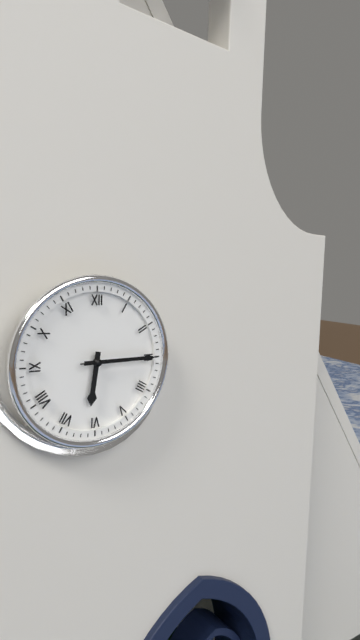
6.15.15
